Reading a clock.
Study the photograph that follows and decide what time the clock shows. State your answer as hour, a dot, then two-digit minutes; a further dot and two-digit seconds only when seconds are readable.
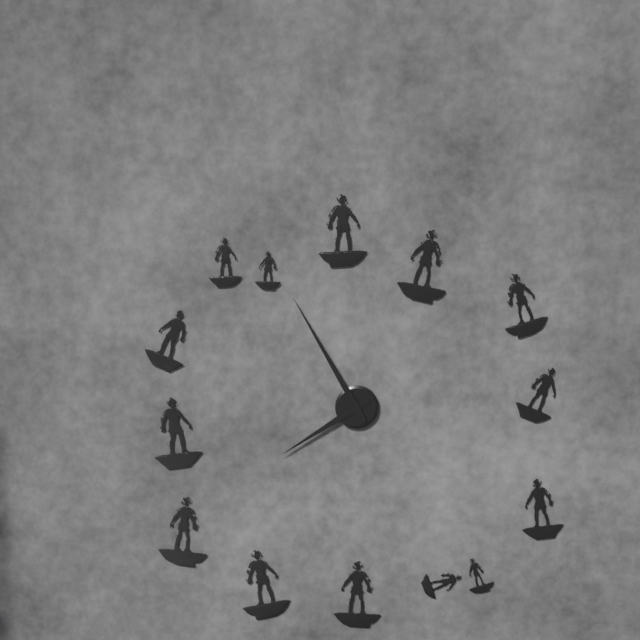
7.55
